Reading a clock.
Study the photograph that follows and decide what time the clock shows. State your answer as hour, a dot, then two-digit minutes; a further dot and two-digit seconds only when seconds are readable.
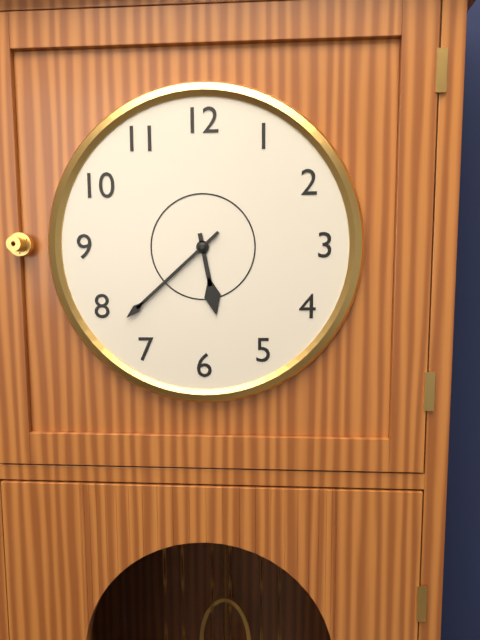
5.38
